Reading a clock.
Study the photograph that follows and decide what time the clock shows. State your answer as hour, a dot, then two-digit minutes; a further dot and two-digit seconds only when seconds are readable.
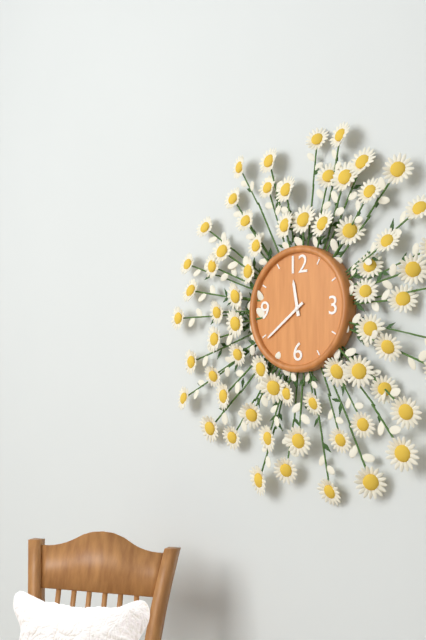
11.39
